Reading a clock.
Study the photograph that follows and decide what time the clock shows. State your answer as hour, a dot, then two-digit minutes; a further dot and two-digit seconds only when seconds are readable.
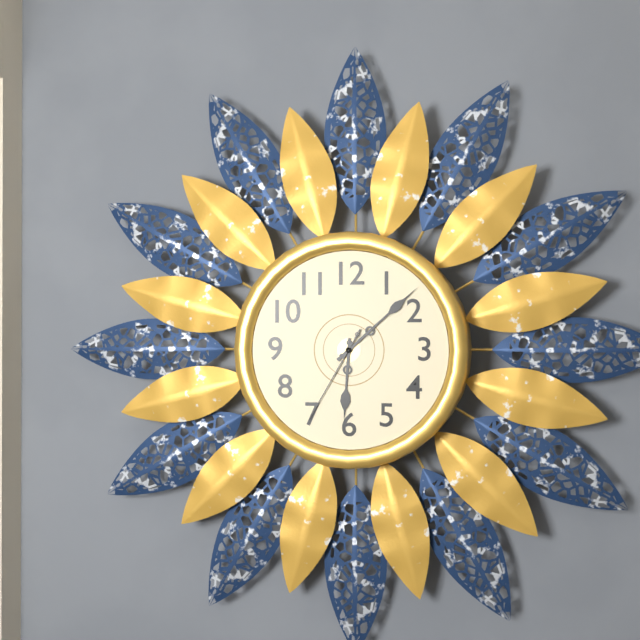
6.08.35
